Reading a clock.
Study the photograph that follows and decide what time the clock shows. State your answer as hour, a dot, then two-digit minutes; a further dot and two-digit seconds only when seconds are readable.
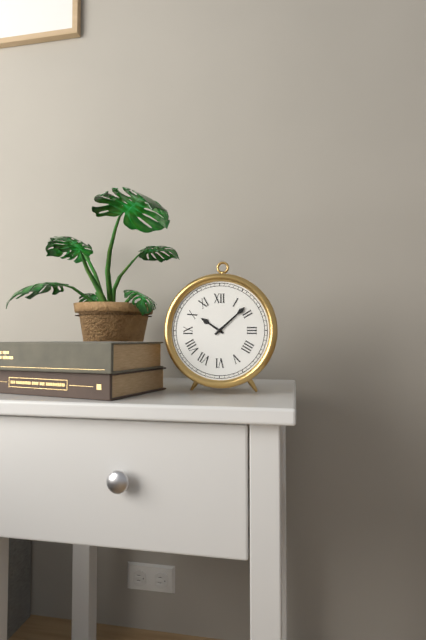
10.08
